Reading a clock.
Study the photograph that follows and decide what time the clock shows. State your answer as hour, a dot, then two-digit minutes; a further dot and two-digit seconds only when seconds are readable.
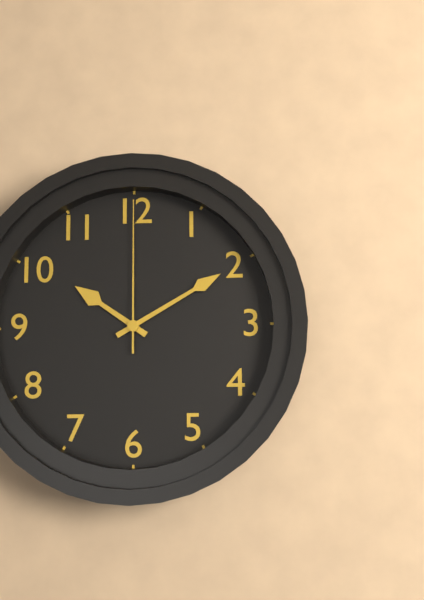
10.10.00
